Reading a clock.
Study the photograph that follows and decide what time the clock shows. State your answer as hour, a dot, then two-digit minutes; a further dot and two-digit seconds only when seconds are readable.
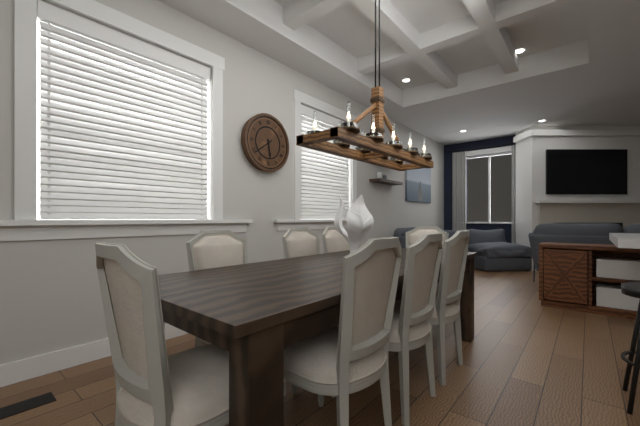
5.39
